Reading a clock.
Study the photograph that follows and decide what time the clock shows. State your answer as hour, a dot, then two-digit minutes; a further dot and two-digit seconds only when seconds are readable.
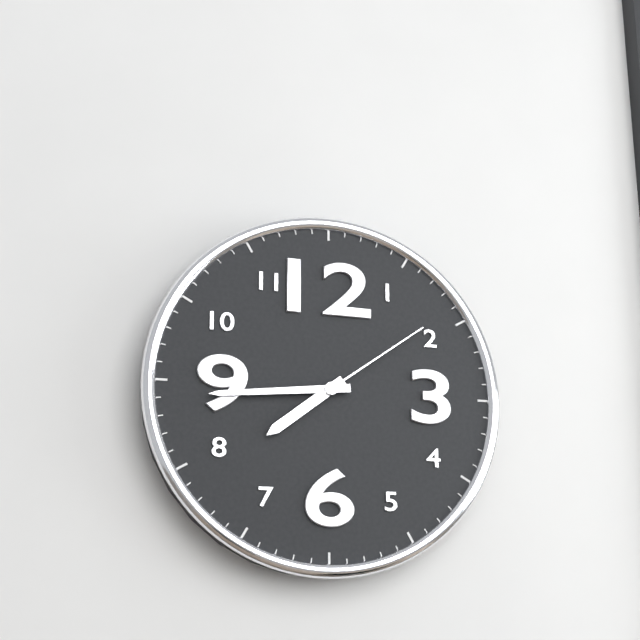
7.44.09
